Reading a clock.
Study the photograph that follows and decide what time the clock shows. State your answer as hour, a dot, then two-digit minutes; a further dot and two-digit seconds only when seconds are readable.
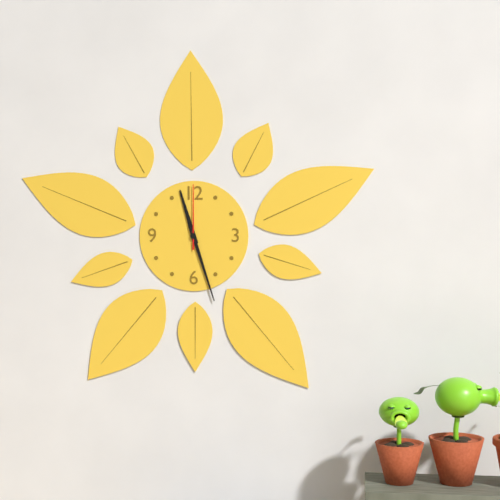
11.27.00
